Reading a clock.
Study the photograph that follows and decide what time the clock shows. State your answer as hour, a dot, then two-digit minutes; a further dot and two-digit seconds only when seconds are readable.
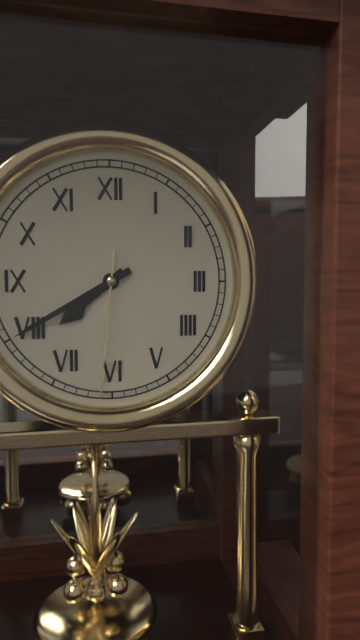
7.40.31
